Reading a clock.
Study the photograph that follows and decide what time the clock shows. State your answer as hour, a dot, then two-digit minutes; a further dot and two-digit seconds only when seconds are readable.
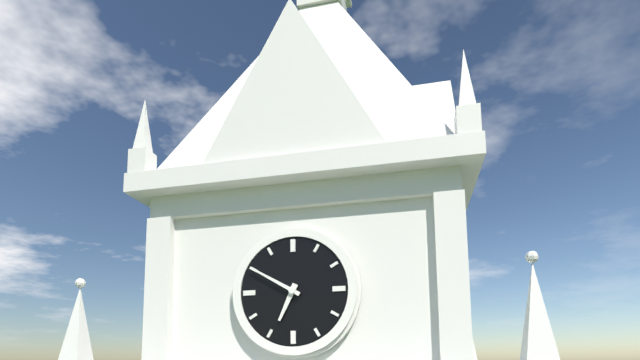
6.50
